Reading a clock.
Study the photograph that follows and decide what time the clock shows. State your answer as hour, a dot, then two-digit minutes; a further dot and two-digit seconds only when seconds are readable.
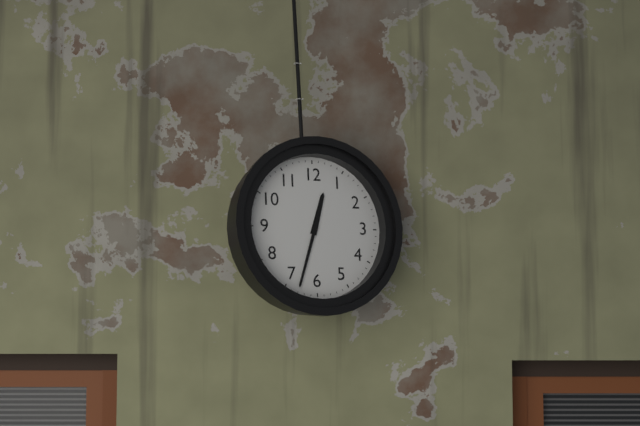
12.33
